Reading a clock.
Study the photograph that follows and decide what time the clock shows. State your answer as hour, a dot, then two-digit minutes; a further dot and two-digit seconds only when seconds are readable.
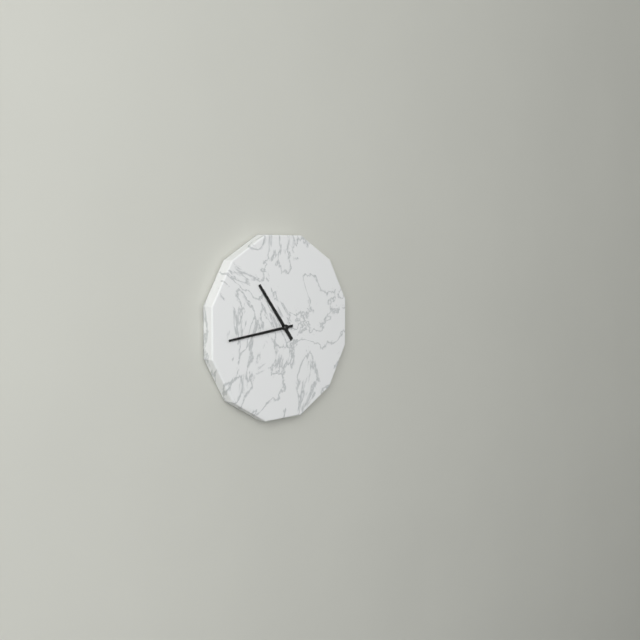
10.44
